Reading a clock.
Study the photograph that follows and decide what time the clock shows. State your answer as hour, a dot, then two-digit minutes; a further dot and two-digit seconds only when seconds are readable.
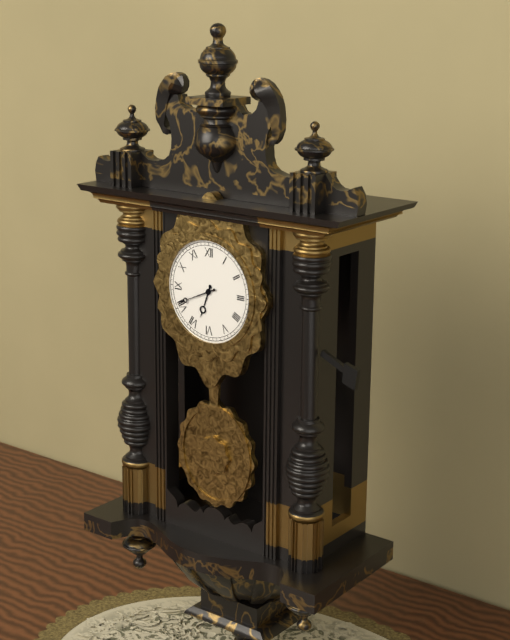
6.41
